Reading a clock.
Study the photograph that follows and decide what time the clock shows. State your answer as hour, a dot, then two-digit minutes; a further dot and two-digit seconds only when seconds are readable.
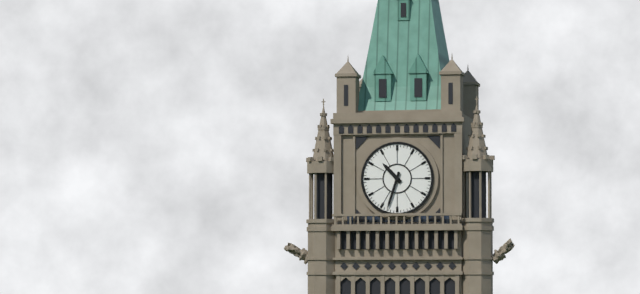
10.33
